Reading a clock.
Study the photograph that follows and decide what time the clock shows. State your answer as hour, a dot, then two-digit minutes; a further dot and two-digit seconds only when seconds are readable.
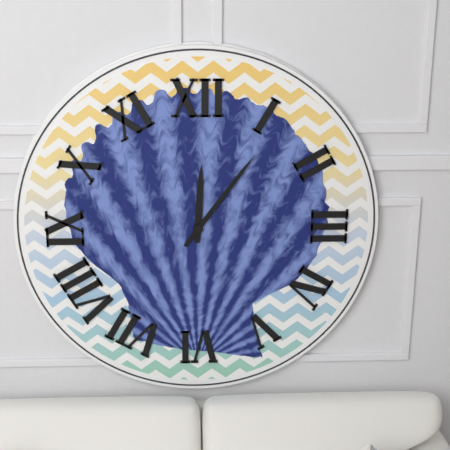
12.06
